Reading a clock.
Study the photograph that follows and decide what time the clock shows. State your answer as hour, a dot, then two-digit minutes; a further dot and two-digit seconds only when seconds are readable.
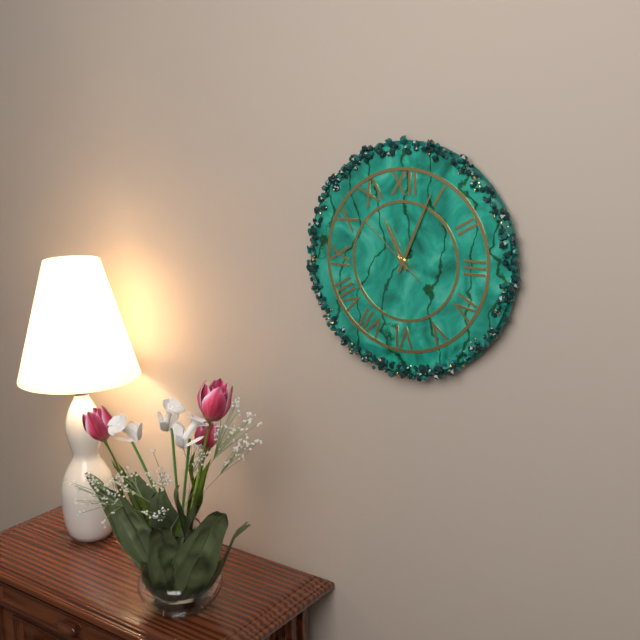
11.04.52
